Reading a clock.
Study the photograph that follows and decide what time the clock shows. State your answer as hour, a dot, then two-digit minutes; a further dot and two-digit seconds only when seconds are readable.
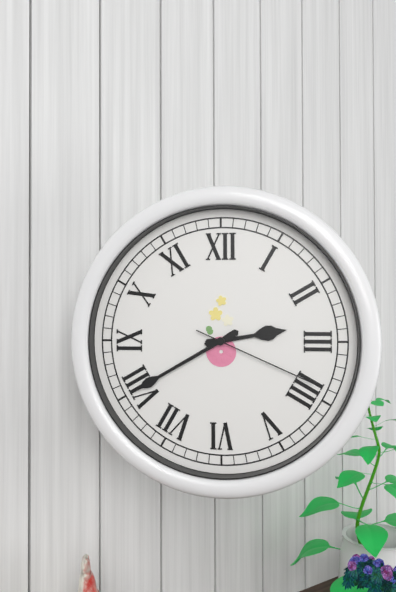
2.40.19
